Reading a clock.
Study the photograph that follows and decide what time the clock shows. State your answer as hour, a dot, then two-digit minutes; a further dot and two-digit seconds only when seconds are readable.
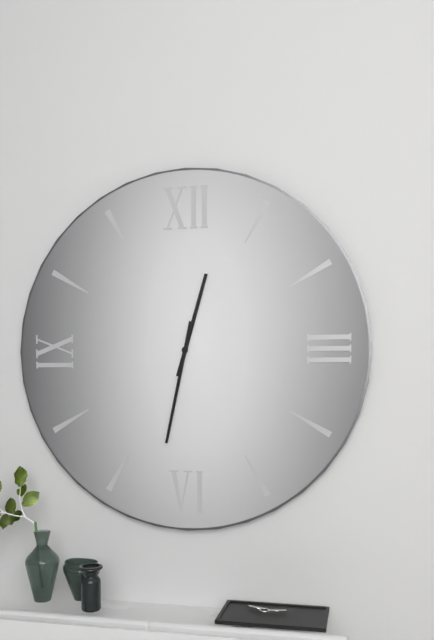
12.32
